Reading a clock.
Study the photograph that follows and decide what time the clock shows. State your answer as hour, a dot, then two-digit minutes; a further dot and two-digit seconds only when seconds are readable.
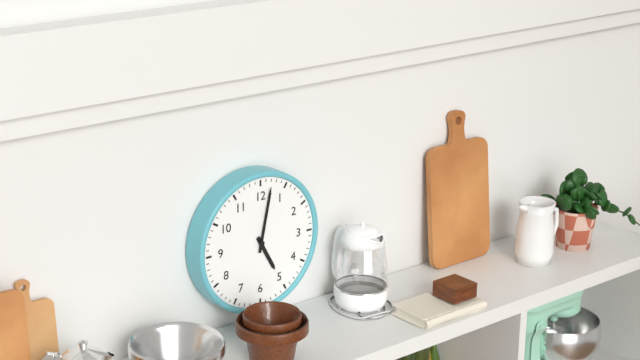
5.02
